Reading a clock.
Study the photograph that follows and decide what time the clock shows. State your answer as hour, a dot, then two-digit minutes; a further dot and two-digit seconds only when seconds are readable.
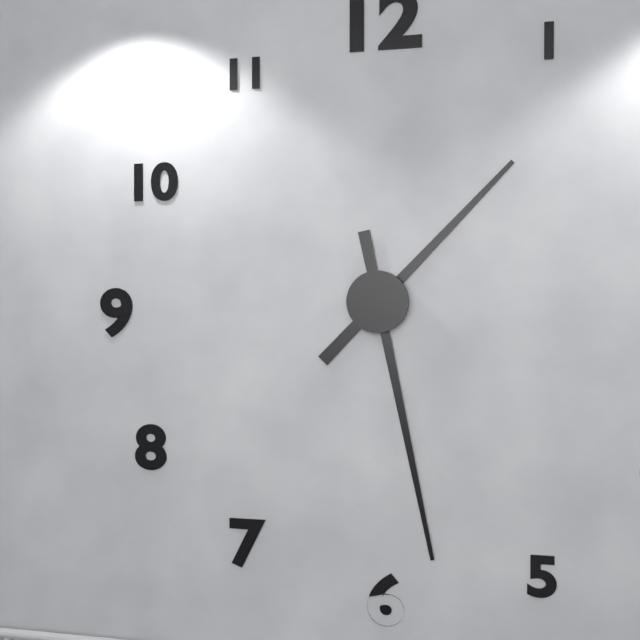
1.28
